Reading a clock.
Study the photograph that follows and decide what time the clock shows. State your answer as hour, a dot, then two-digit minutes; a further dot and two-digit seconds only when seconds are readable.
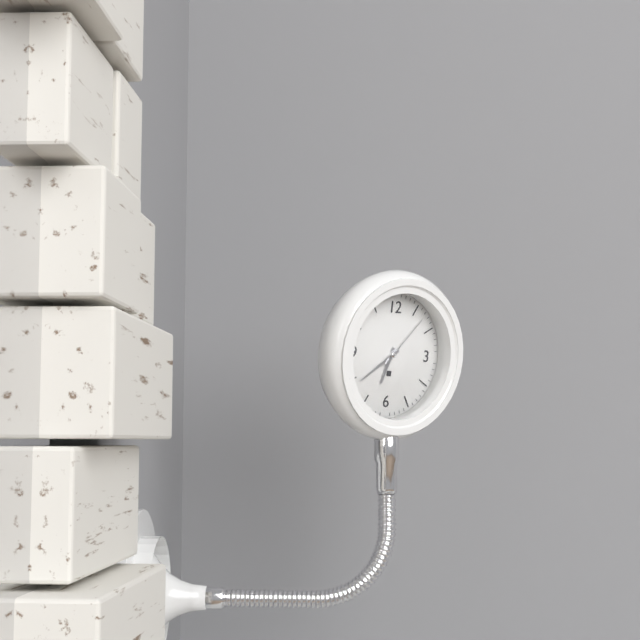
6.39.07
